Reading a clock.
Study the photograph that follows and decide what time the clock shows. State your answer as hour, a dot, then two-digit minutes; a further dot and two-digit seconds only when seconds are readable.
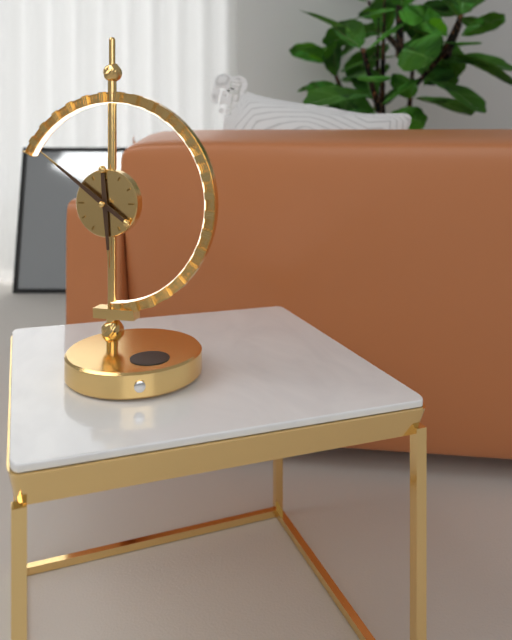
5.51
